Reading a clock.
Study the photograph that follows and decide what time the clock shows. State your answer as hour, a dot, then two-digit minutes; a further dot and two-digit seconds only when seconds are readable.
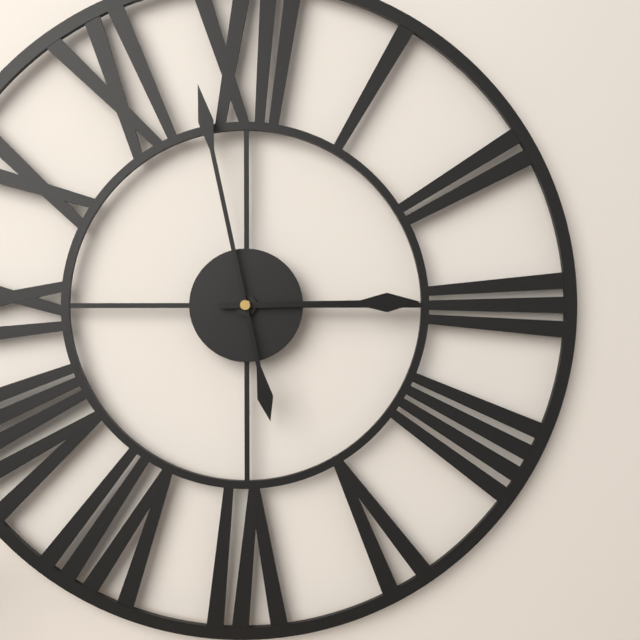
2.58
